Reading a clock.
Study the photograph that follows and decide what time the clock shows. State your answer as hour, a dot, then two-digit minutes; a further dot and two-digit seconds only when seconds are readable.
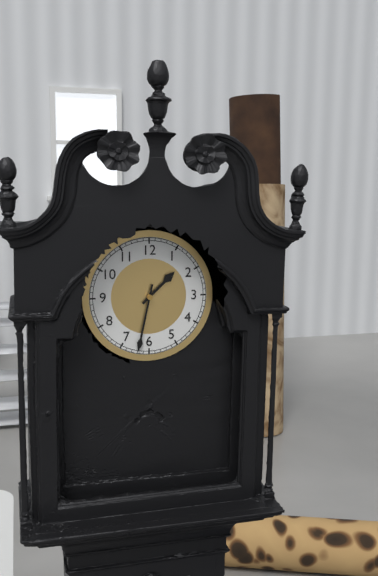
1.32
